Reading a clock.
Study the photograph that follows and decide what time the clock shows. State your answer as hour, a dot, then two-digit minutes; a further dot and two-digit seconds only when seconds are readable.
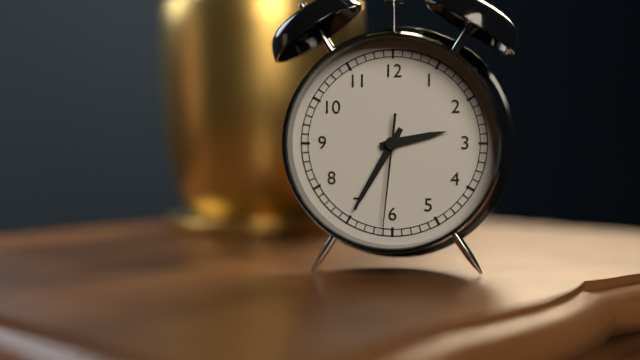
2.35.31
